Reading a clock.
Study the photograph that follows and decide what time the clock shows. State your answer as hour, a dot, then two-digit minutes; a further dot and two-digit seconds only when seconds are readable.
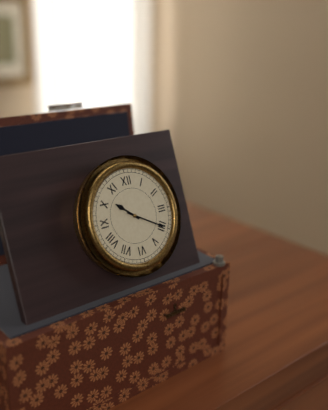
10.20
